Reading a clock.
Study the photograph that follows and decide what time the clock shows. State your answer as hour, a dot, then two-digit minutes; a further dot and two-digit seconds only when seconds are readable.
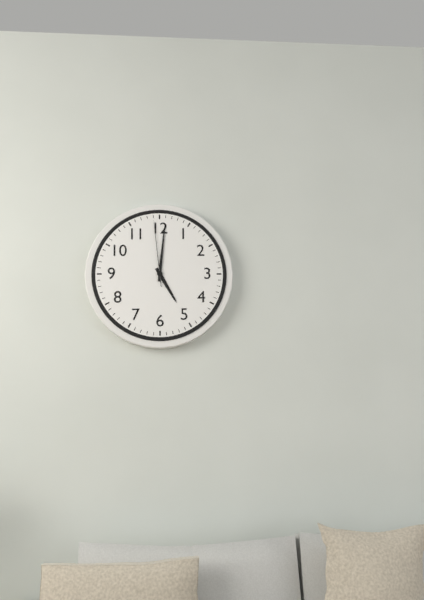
5.01.59
